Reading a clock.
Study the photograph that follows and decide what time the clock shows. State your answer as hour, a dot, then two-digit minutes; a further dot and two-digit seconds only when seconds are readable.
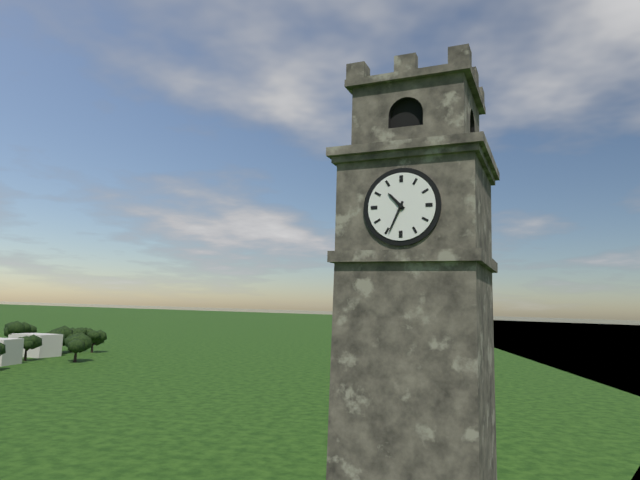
10.34
